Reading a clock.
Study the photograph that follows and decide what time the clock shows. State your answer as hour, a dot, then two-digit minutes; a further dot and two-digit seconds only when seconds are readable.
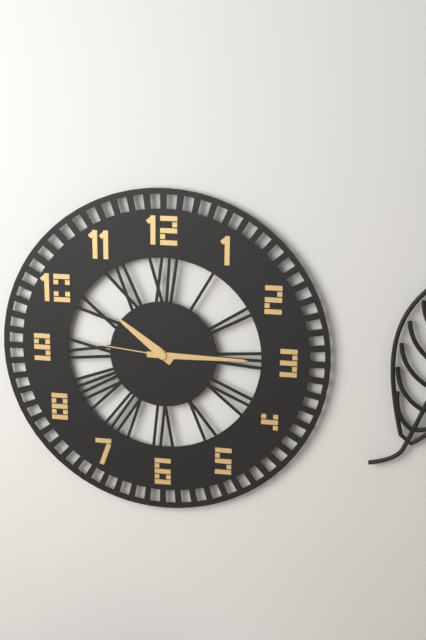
10.15.46
